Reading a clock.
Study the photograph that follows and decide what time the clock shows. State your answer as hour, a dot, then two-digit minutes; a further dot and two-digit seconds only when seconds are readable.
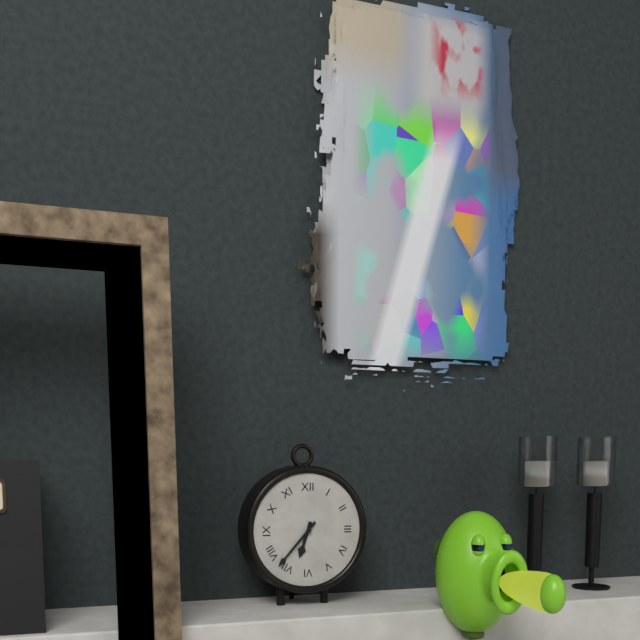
6.37
